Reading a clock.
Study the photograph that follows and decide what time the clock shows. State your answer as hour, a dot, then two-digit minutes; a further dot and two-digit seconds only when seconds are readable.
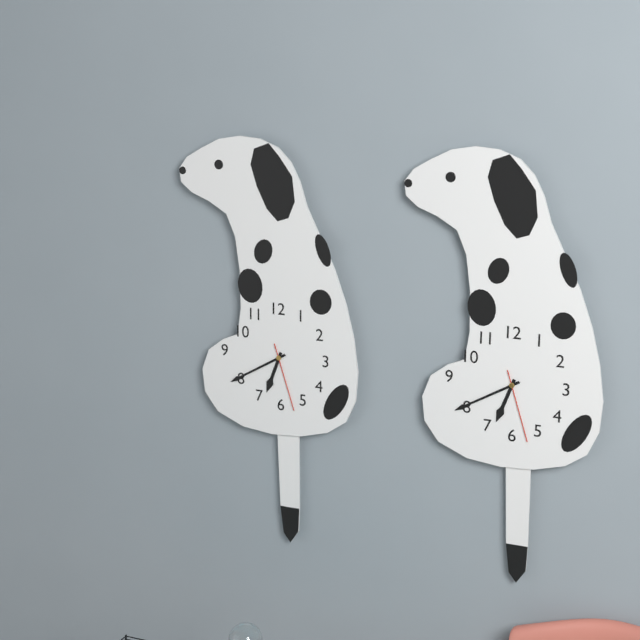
6.40.27
